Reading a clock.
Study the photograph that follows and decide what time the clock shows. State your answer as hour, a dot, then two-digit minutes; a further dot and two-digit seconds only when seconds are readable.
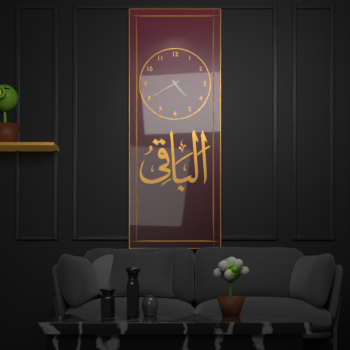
4.40
